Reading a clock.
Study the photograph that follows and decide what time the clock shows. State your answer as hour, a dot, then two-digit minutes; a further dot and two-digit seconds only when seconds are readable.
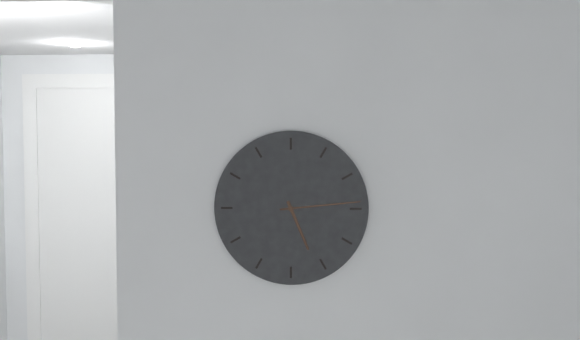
5.14
